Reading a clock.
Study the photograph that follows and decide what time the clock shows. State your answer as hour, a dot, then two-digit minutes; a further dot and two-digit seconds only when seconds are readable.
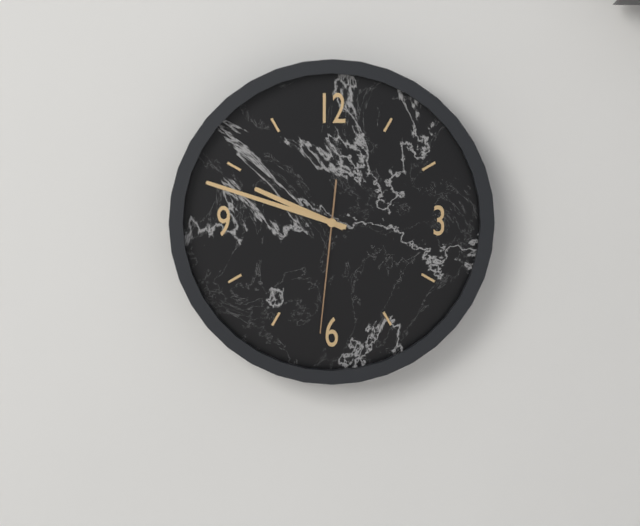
9.48.31
